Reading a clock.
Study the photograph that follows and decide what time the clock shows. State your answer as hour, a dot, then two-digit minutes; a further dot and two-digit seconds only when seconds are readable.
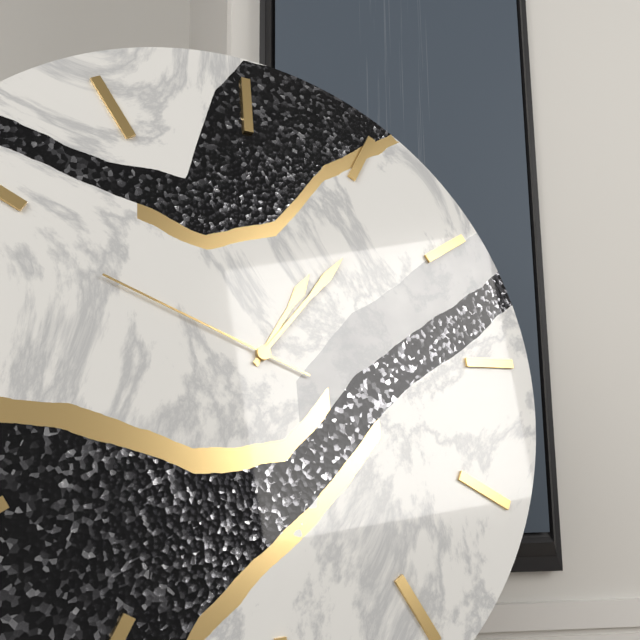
1.07.49
